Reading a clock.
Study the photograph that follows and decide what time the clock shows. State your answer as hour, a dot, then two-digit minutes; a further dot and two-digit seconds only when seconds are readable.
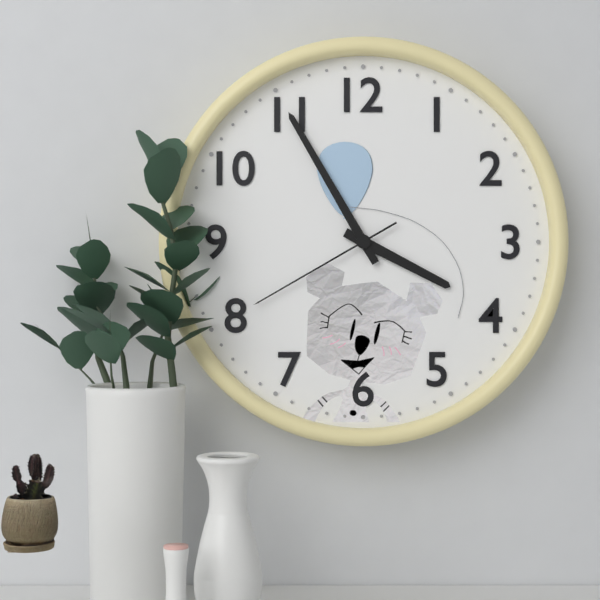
3.55.40
